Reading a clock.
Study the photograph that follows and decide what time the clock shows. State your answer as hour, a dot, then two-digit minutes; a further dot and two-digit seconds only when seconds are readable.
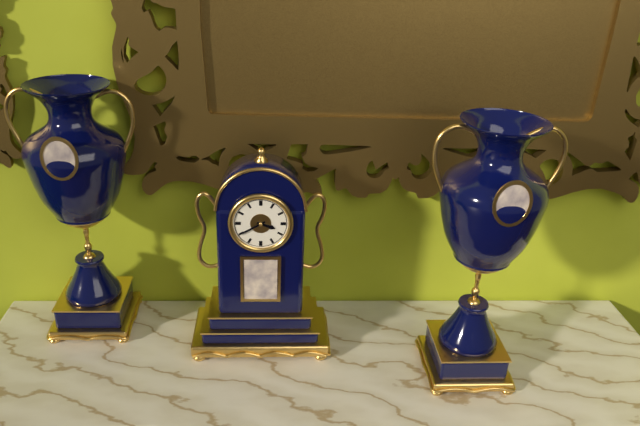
3.40
